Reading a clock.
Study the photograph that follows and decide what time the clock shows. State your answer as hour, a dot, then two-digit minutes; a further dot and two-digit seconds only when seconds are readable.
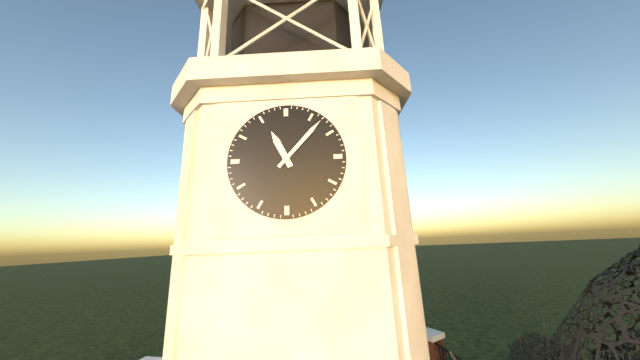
11.07
